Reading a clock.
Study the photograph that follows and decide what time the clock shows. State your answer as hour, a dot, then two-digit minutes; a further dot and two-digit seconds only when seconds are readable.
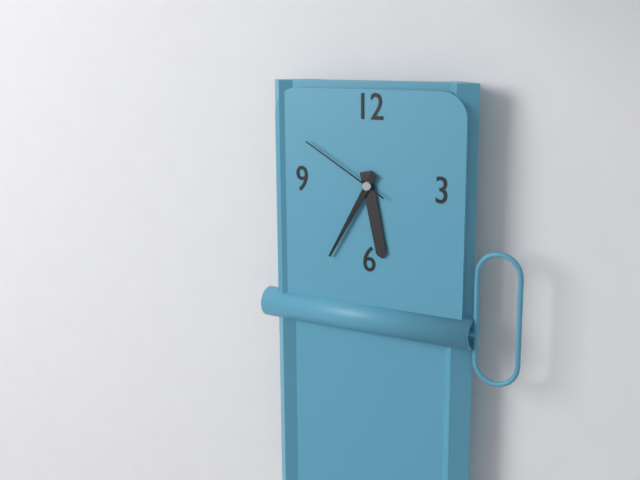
5.35.50
